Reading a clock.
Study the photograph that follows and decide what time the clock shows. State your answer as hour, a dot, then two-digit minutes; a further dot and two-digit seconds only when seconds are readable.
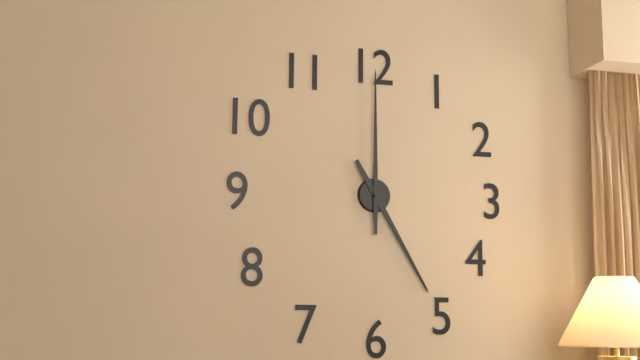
5.00
